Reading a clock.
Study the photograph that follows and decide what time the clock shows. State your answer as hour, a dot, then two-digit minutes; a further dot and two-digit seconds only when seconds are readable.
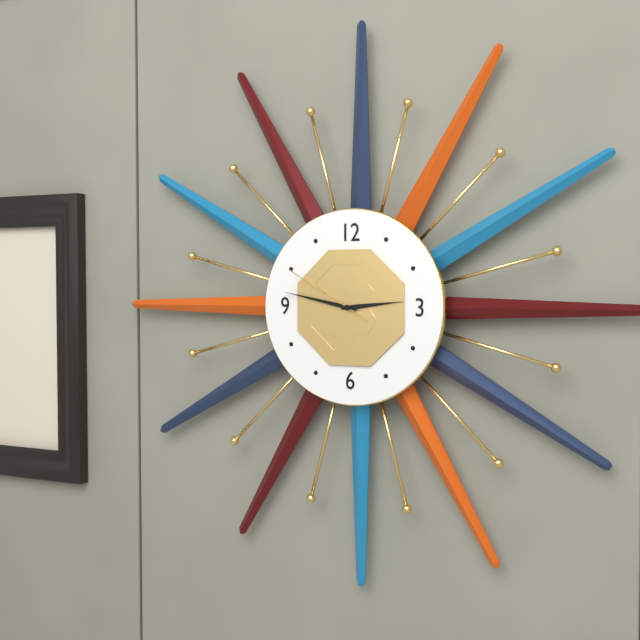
2.47.50
